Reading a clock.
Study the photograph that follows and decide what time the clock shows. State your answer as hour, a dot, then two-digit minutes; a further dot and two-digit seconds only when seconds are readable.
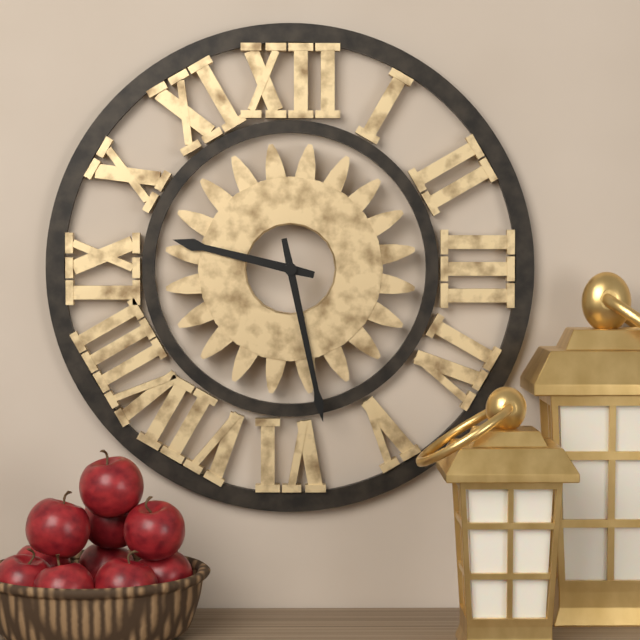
9.28
